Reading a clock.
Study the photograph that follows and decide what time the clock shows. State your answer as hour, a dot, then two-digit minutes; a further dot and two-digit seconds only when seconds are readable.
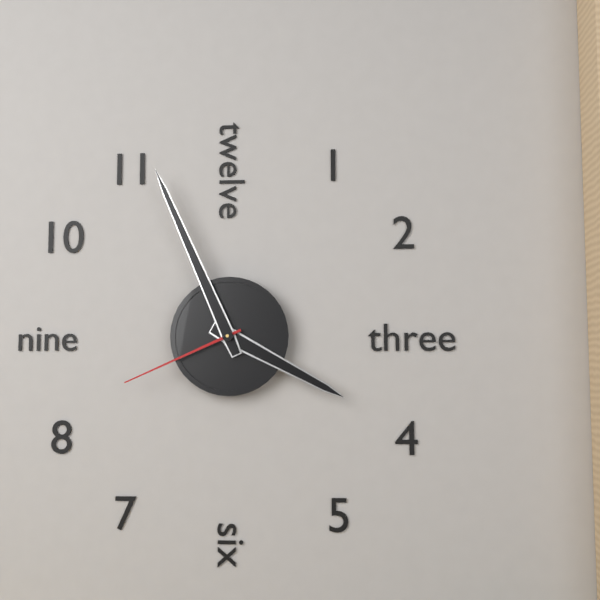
3.56.41
